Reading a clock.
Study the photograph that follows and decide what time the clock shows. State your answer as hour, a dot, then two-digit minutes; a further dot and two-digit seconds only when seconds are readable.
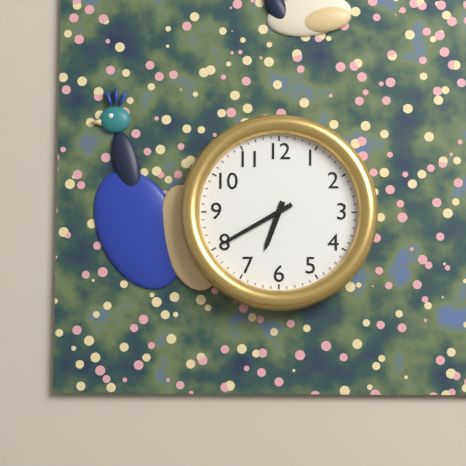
6.40
